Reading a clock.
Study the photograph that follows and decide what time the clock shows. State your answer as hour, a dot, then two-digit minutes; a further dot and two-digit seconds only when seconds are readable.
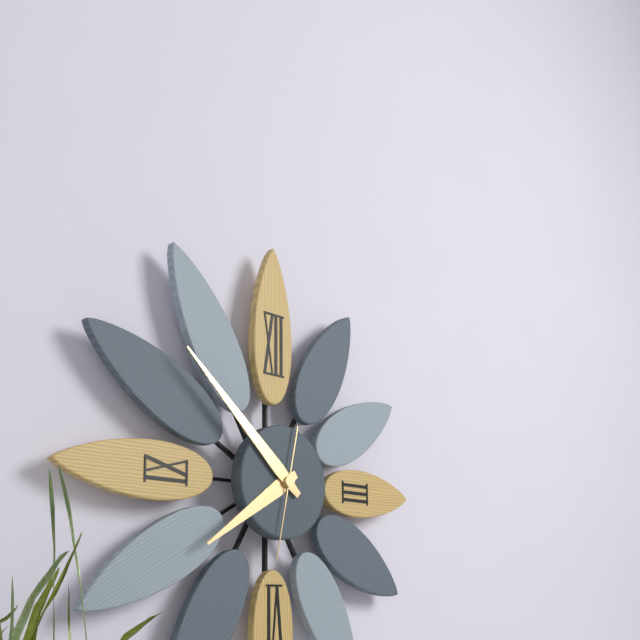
7.52.32
